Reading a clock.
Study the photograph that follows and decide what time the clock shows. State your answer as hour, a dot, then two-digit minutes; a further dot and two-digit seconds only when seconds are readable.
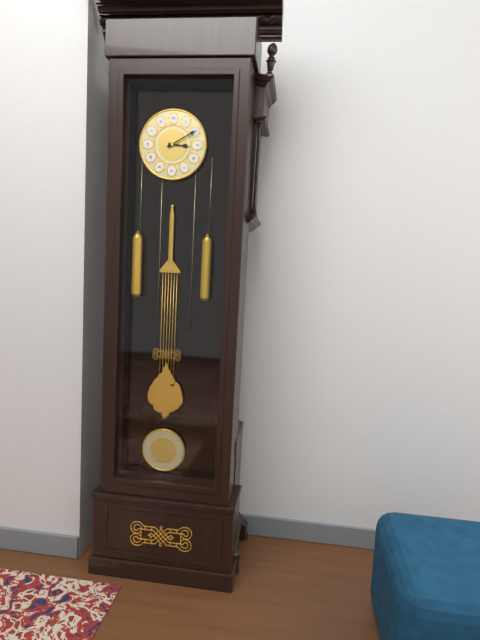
3.10
